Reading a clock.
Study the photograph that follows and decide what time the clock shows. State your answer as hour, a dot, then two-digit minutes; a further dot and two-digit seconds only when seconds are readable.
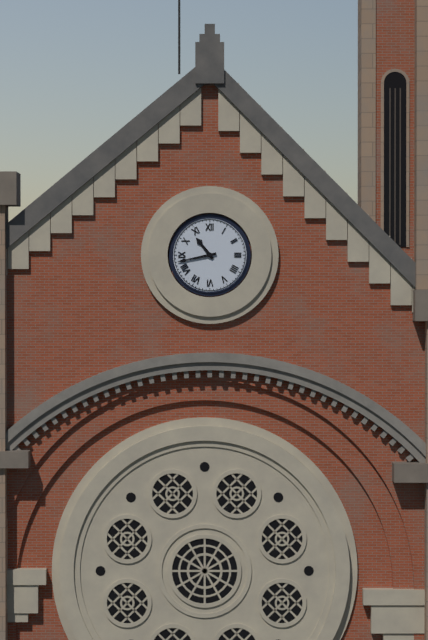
10.43
